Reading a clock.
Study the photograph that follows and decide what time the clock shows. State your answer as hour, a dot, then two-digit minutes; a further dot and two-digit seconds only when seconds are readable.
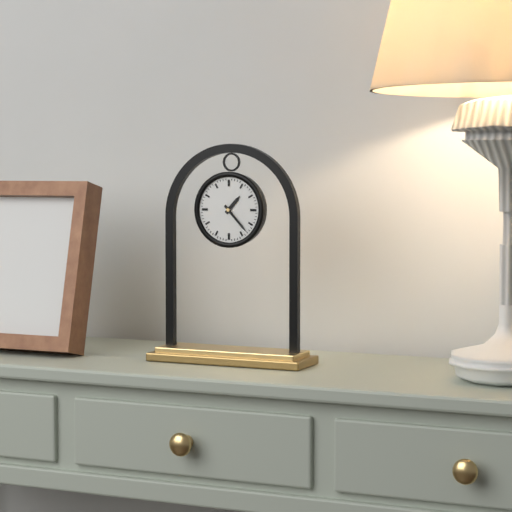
1.23
